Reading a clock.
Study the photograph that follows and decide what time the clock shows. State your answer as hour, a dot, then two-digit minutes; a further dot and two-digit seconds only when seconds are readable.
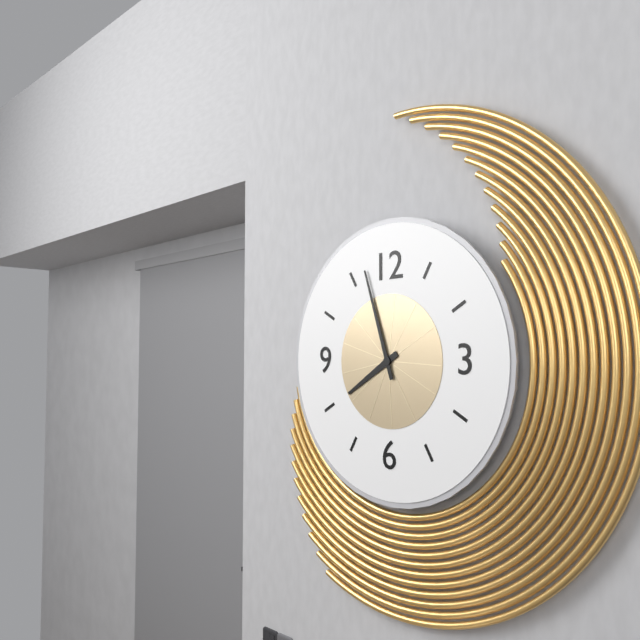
7.57
